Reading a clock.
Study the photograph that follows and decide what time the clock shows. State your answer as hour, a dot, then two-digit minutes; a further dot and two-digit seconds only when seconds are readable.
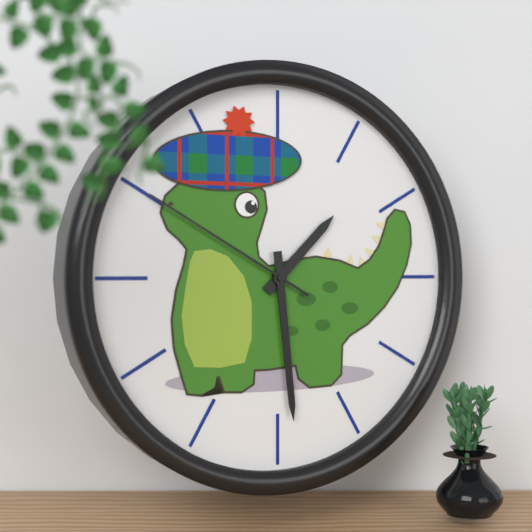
1.29.50
